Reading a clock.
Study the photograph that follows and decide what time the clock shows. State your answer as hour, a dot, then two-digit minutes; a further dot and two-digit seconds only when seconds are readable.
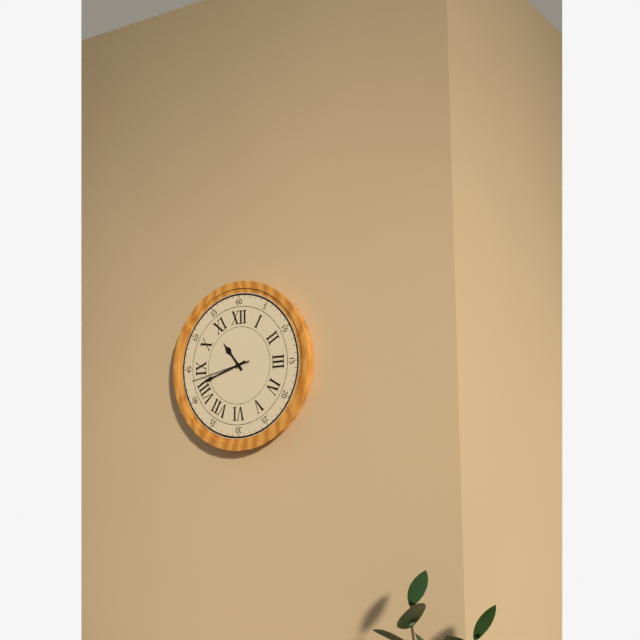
10.42.43
